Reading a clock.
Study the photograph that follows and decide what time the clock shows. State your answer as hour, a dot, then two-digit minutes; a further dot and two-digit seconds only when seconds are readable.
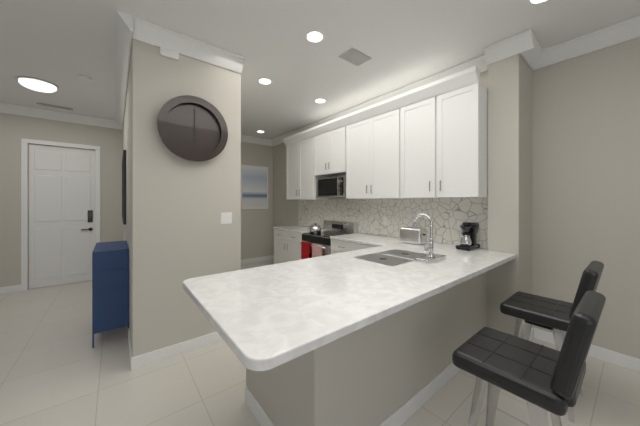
6.00
